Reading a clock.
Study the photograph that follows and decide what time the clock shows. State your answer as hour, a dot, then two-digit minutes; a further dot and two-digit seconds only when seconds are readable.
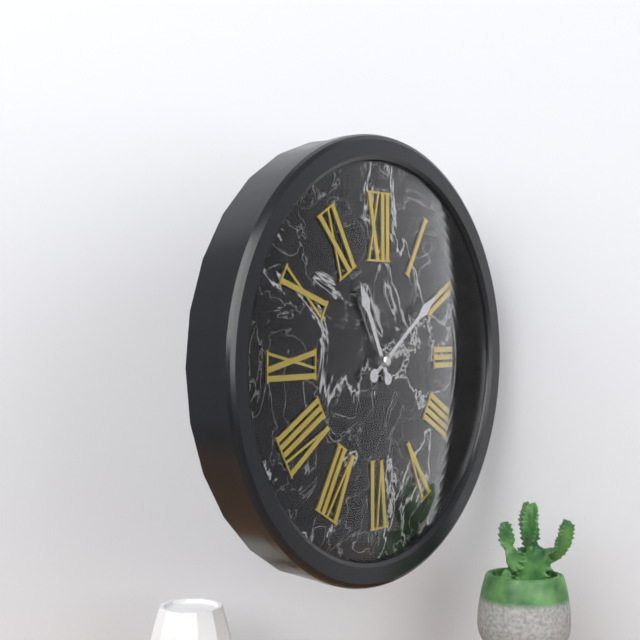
11.09
